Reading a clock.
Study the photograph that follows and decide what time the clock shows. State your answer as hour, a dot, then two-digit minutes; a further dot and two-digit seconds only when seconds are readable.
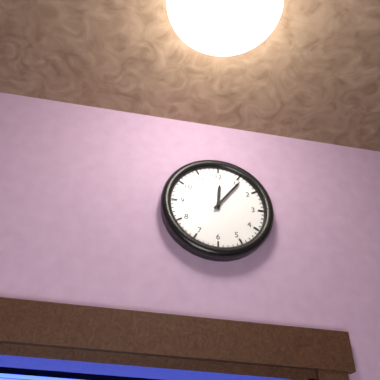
12.06
